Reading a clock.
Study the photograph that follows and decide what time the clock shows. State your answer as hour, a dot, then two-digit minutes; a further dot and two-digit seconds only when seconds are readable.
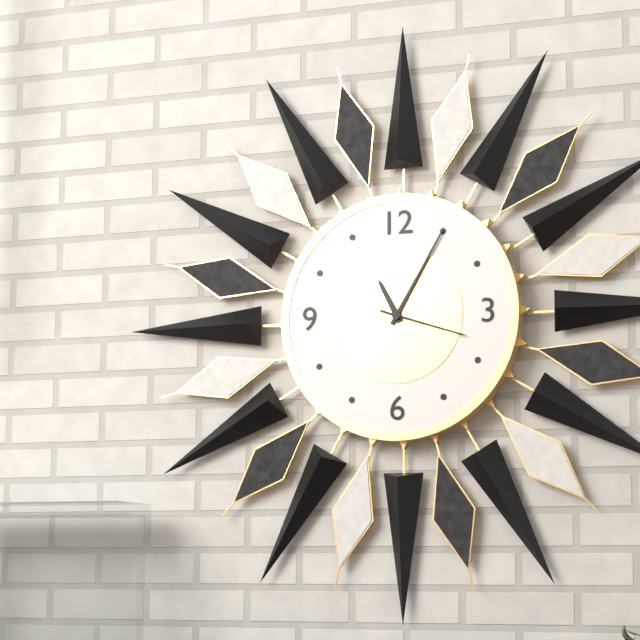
11.05.18
